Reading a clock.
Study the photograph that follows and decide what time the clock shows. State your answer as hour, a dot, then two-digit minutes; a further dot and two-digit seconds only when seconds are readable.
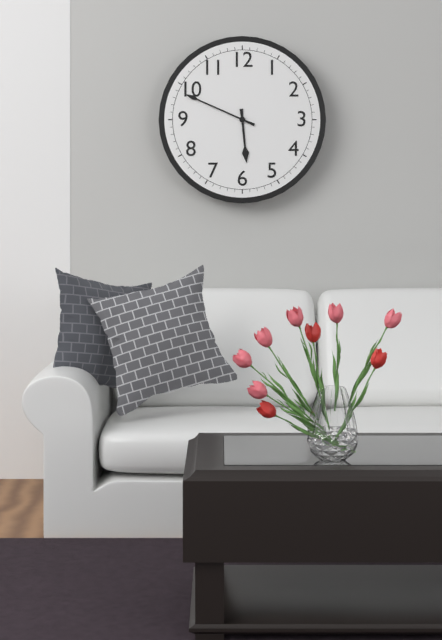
5.49
